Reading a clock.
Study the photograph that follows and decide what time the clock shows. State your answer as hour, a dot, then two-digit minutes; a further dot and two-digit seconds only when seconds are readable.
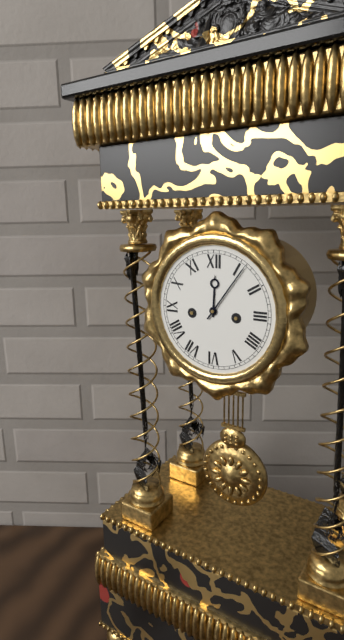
12.06
